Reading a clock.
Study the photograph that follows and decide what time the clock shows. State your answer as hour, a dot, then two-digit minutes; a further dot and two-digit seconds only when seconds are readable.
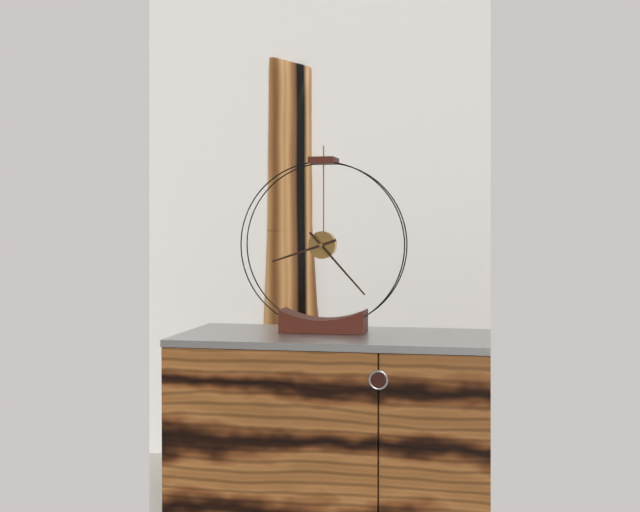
8.23
